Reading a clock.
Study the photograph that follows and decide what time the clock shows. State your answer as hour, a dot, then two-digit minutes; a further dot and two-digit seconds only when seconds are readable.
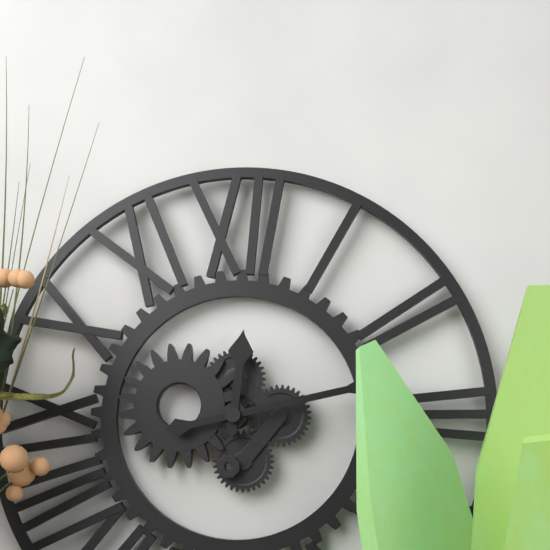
12.13
